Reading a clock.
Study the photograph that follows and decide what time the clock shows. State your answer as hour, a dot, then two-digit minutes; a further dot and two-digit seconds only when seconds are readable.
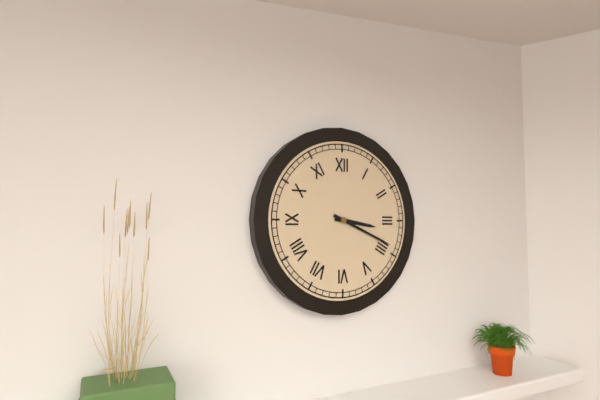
3.19
